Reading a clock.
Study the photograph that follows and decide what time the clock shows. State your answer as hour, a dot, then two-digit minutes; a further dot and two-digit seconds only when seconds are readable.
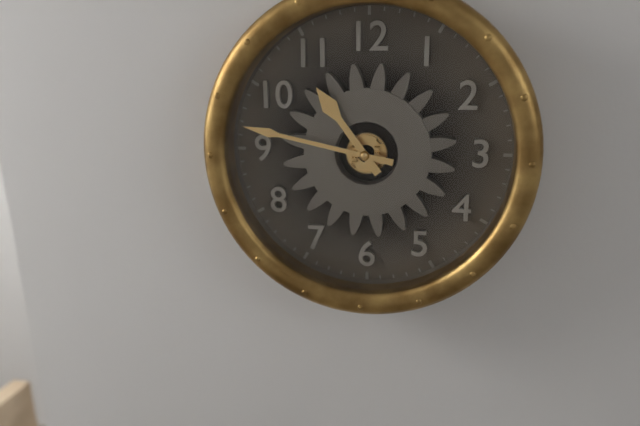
10.47
